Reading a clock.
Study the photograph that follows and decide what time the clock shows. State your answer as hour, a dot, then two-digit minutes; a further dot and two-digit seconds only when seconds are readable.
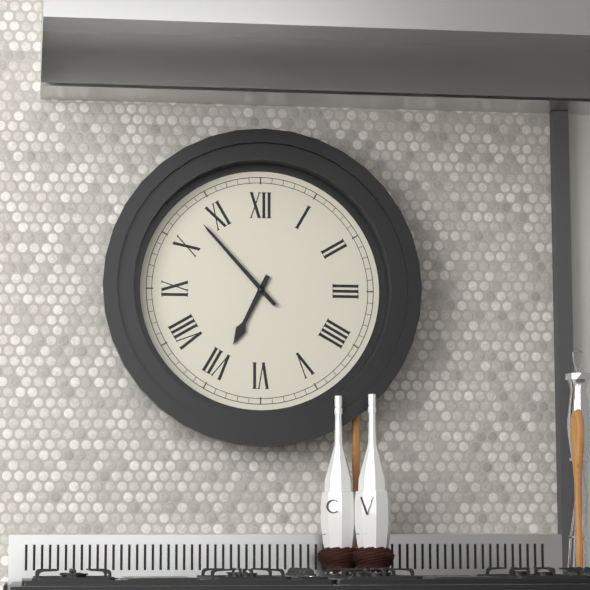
6.53
